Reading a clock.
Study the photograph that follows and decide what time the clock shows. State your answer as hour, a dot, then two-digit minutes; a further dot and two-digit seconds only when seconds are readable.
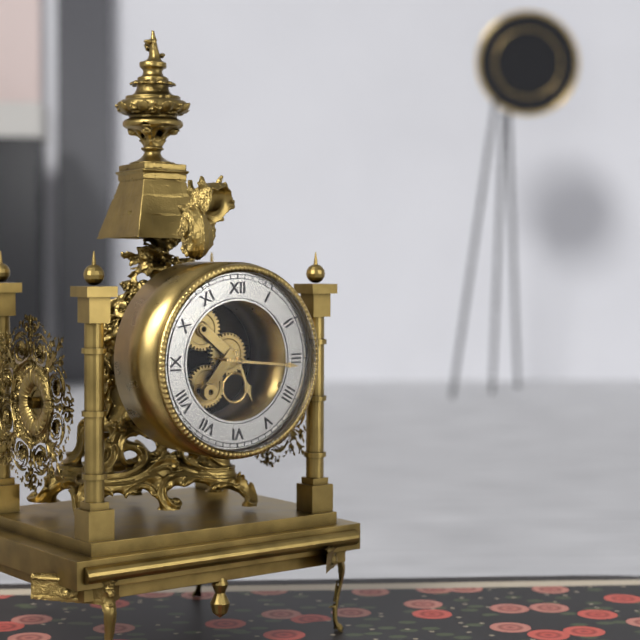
5.16
